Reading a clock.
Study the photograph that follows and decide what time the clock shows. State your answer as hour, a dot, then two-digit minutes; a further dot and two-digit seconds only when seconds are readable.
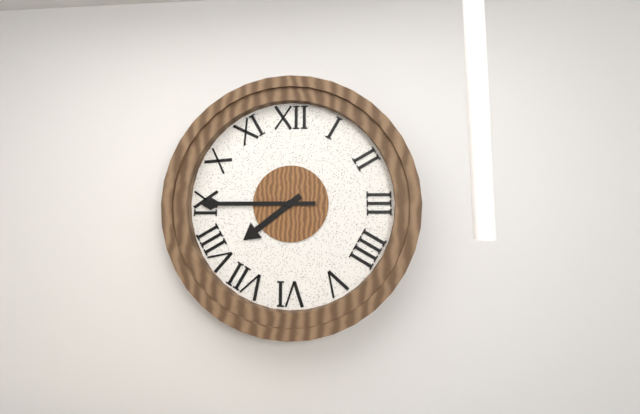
7.45
